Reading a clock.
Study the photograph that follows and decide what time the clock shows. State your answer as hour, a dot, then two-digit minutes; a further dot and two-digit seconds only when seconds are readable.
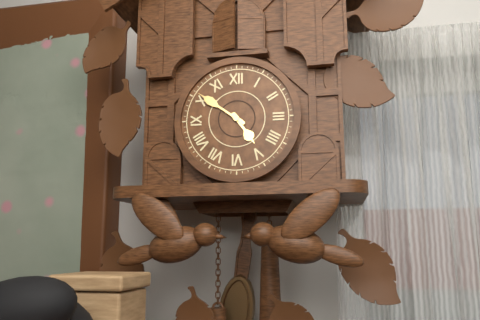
4.51
